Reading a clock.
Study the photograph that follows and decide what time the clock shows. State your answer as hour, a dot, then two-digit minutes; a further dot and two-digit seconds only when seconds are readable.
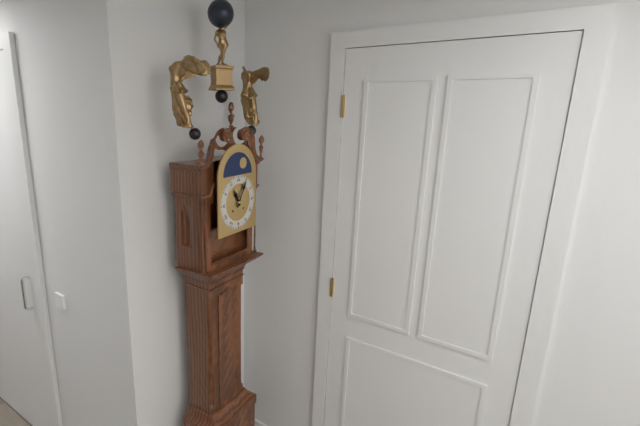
11.05
